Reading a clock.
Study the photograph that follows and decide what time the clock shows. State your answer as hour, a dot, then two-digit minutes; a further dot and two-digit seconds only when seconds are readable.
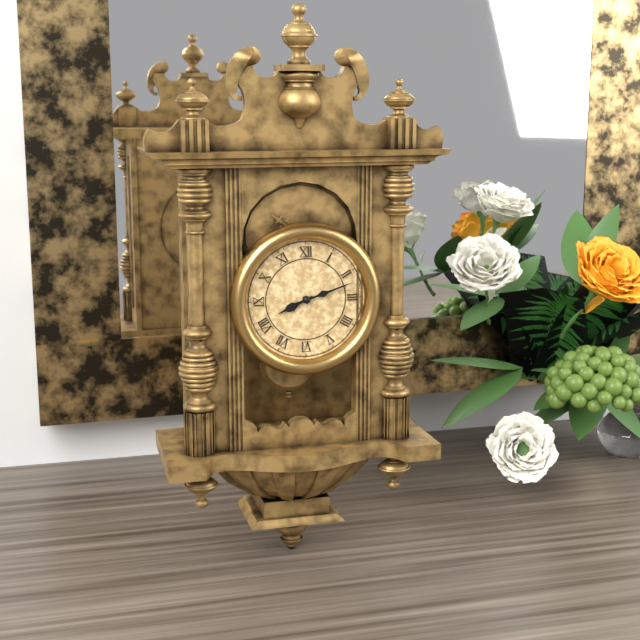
8.12
